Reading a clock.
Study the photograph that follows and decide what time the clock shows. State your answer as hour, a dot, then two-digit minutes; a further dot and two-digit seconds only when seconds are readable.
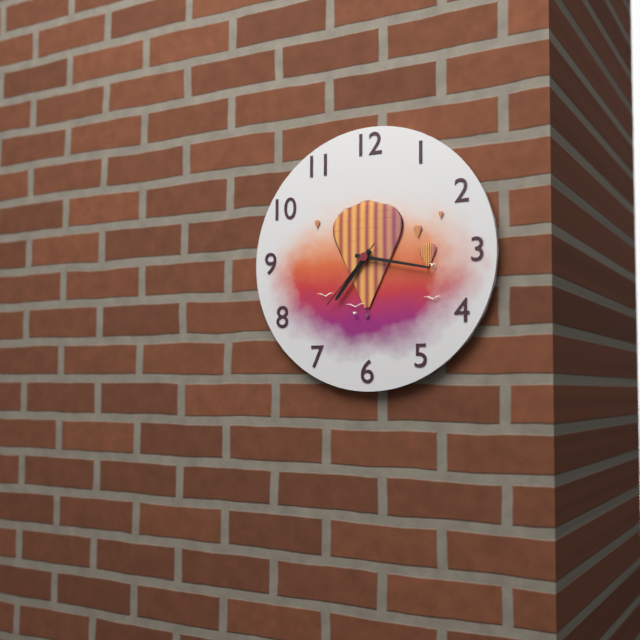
7.17.37
